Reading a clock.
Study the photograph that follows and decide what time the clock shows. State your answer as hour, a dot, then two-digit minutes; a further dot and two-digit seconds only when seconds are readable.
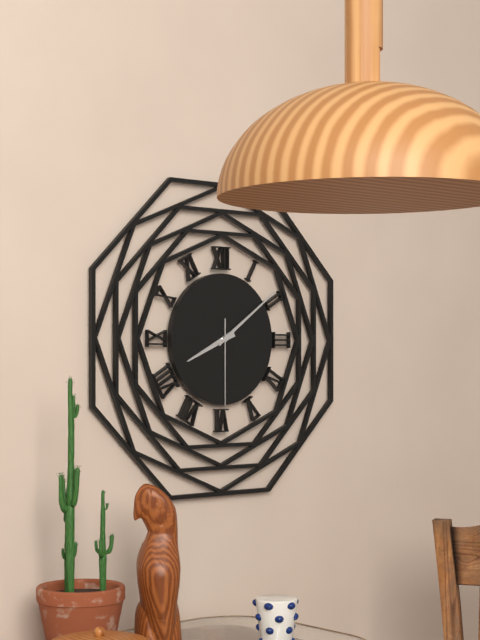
8.09.30
